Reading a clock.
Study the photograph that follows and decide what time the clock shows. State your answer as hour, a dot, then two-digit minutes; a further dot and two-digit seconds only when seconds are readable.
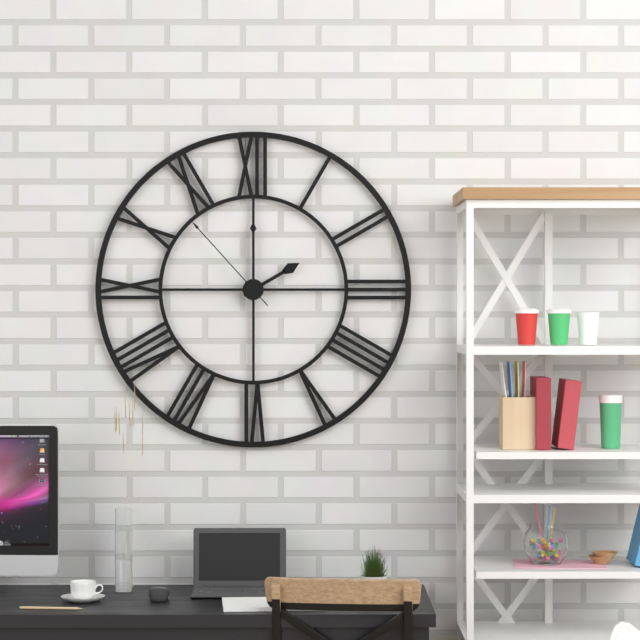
2.00.53
